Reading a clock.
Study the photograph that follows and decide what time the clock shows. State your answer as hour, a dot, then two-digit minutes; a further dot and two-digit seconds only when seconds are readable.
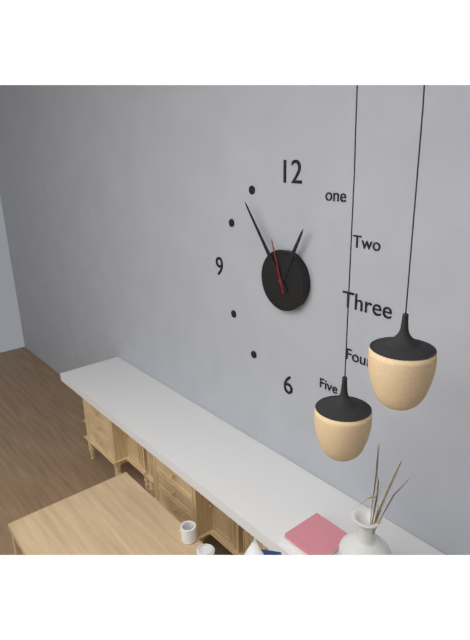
12.54.57
